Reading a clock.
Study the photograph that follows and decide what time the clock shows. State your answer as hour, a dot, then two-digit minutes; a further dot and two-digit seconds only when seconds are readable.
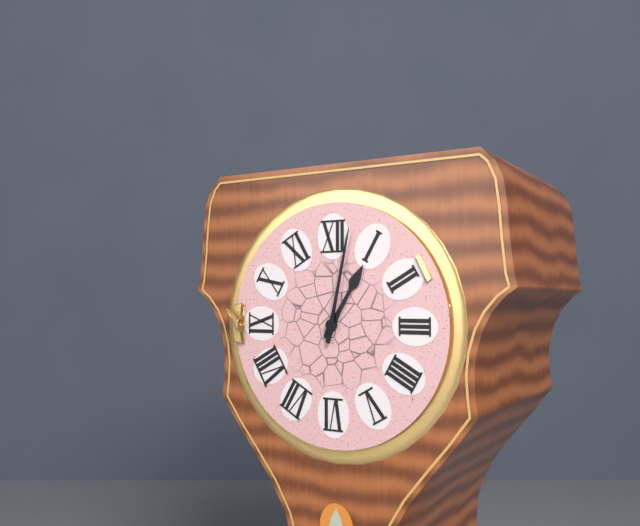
1.02
